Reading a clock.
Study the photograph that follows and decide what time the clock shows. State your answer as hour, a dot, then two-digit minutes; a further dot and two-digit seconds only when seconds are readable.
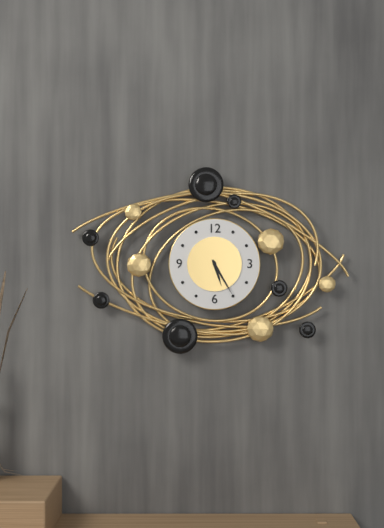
5.25
